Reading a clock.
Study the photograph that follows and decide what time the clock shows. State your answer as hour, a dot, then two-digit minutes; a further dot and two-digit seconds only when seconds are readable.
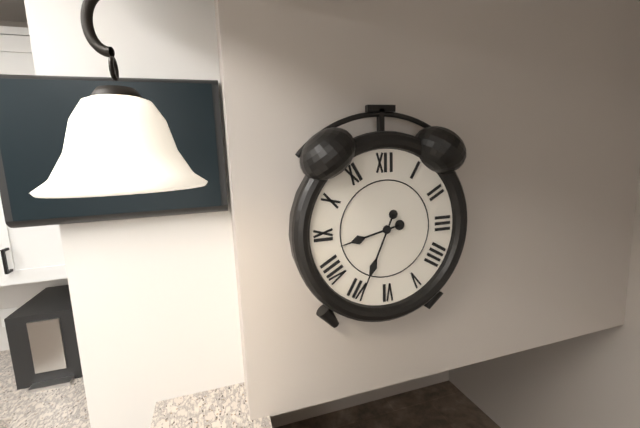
8.34
